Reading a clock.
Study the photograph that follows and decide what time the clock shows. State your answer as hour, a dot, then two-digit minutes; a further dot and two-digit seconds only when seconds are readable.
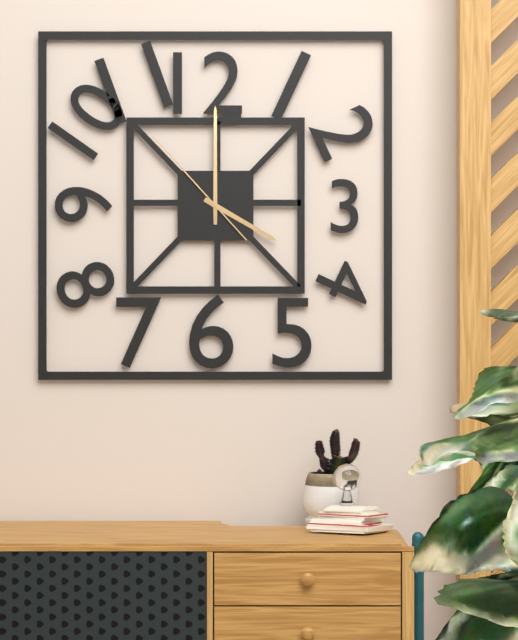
4.00.53
